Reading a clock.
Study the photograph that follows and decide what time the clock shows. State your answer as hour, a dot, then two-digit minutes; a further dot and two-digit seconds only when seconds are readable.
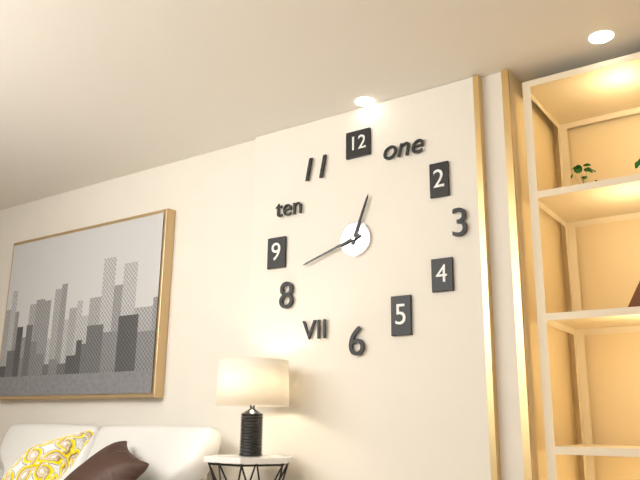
12.42
